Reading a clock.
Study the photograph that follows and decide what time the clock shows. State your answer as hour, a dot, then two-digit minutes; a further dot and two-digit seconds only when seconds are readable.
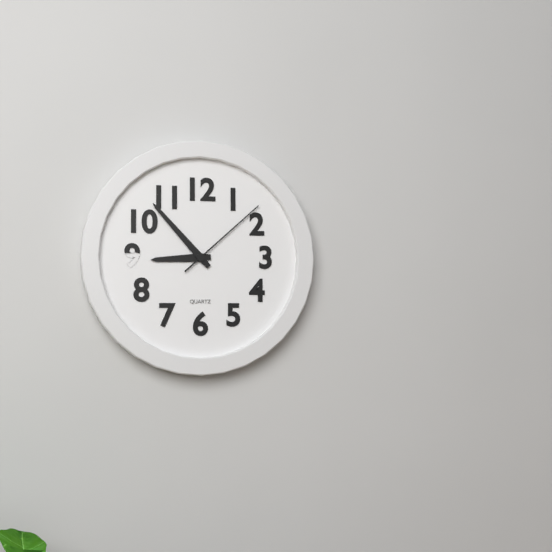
8.53.08
